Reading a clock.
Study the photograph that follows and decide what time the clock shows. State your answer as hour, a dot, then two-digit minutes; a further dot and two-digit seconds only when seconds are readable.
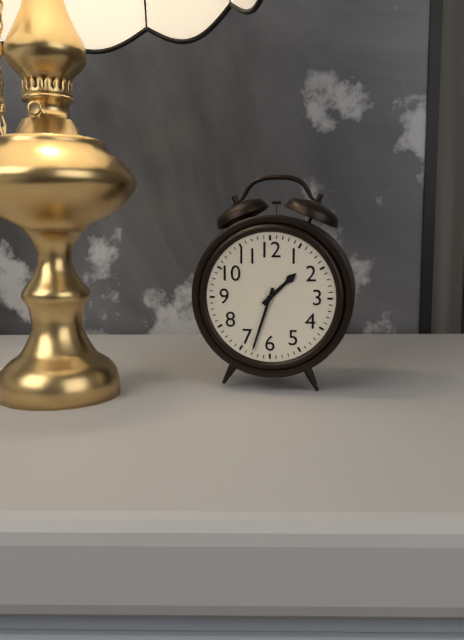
1.33
